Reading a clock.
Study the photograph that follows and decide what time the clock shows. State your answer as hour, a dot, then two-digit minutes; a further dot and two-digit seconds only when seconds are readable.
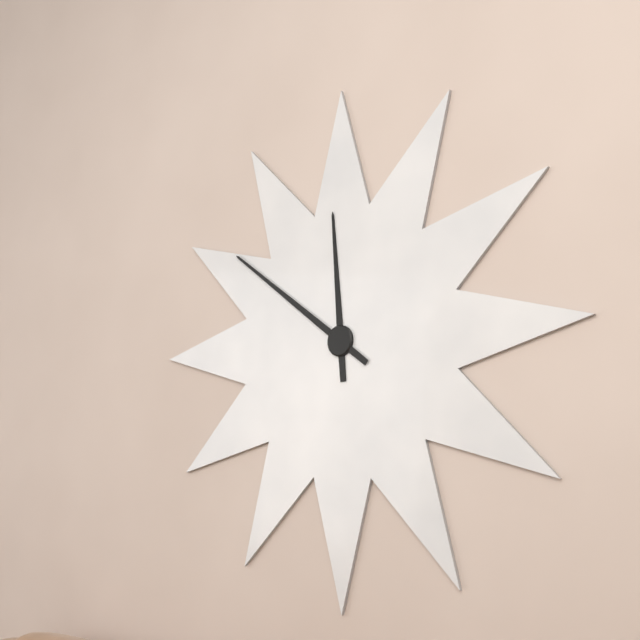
11.51
